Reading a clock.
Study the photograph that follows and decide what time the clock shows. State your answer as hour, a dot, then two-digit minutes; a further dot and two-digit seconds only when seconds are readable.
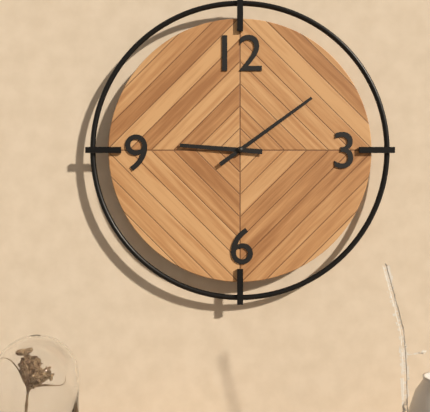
9.09
